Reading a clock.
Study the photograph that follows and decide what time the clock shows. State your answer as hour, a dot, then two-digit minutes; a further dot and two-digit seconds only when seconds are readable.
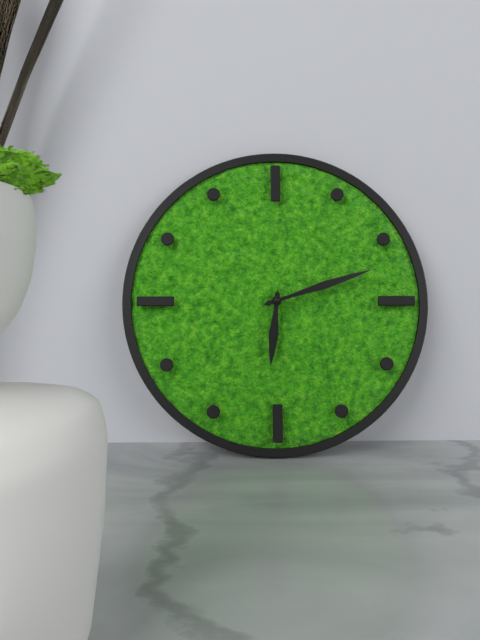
6.12
